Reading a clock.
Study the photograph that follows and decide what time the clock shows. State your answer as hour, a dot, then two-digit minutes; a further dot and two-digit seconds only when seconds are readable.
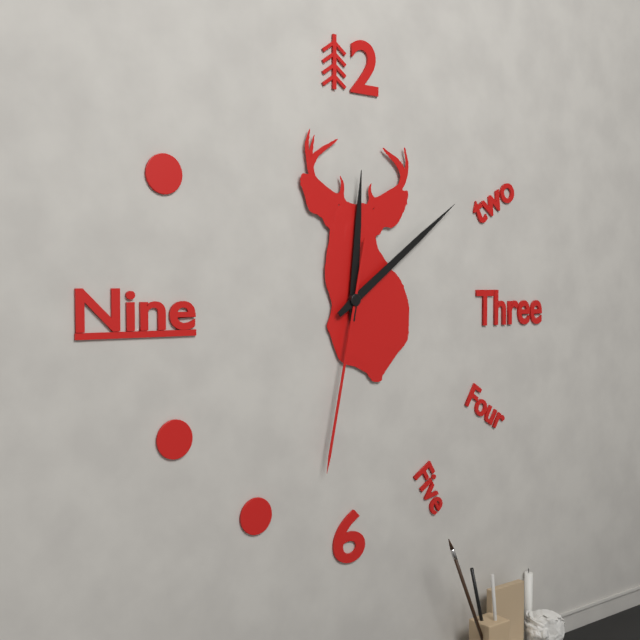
12.09.32
